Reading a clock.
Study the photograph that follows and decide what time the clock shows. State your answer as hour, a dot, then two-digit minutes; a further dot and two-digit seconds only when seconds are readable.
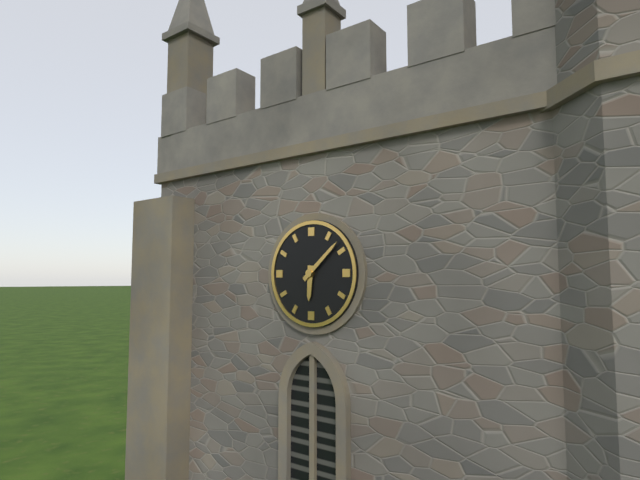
6.08
